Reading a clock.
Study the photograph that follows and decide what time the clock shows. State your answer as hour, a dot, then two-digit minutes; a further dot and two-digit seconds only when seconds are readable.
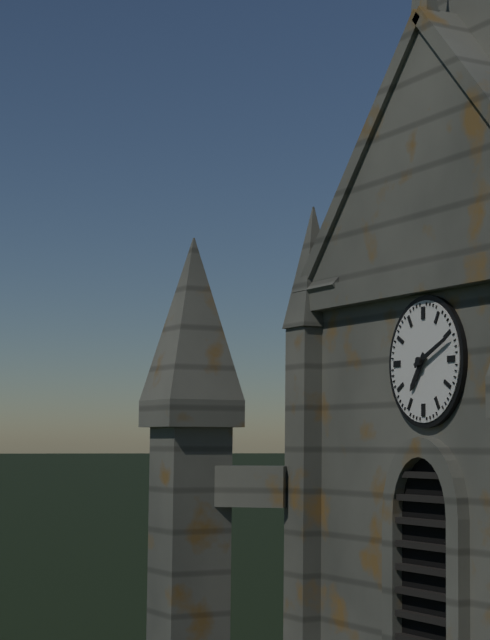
7.11
